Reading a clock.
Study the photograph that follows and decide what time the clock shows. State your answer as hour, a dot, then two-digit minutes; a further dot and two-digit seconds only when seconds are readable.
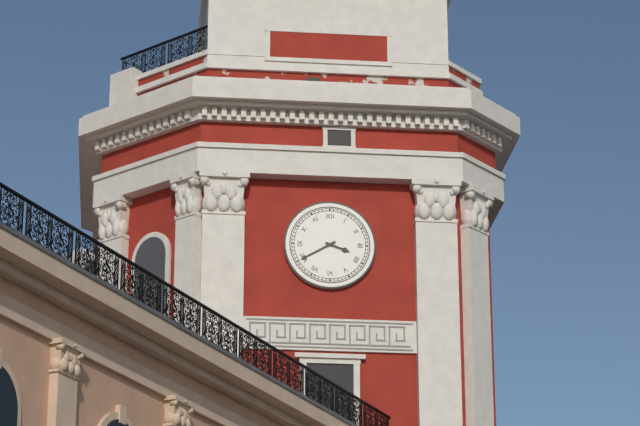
3.40
